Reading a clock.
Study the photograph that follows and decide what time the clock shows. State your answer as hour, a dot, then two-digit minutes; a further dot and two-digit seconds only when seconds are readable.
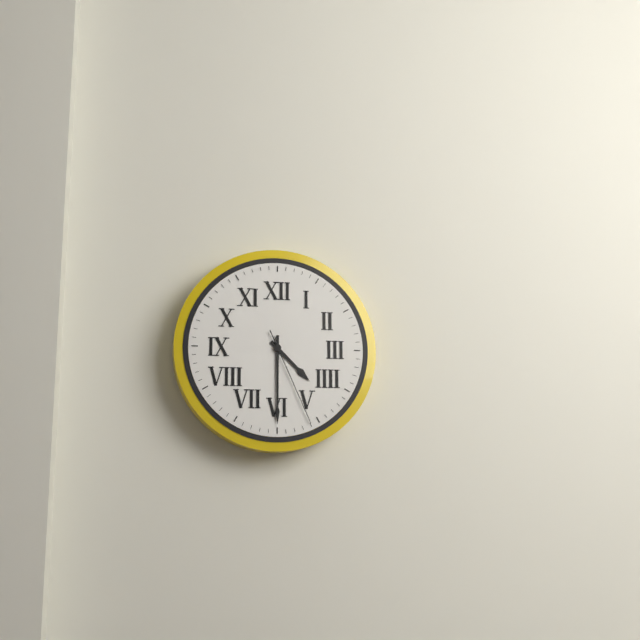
4.30.26
